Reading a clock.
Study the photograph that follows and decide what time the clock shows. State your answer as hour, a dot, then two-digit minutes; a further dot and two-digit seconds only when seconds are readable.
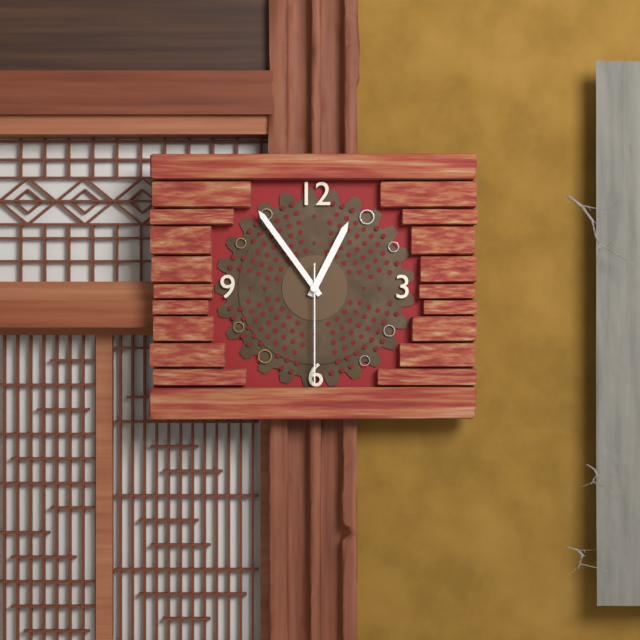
12.54.30
